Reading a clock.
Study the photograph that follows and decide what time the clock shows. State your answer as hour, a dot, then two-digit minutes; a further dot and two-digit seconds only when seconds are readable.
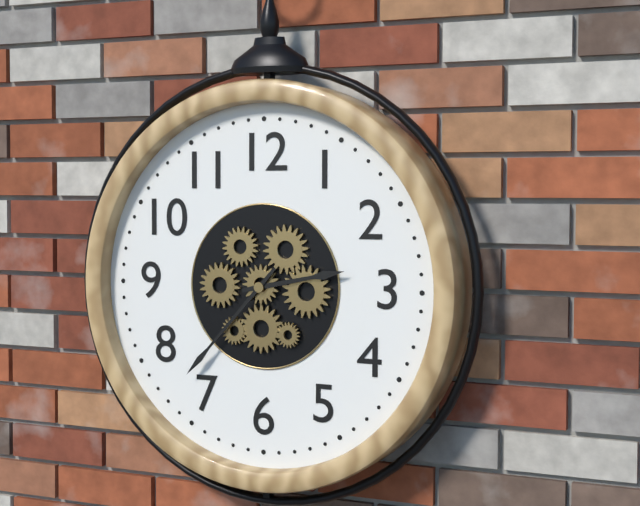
2.37
